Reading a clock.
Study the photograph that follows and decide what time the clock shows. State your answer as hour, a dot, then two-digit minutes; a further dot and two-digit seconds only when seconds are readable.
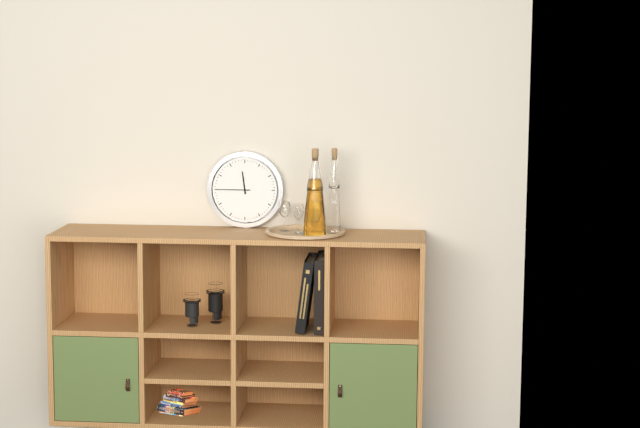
11.45
